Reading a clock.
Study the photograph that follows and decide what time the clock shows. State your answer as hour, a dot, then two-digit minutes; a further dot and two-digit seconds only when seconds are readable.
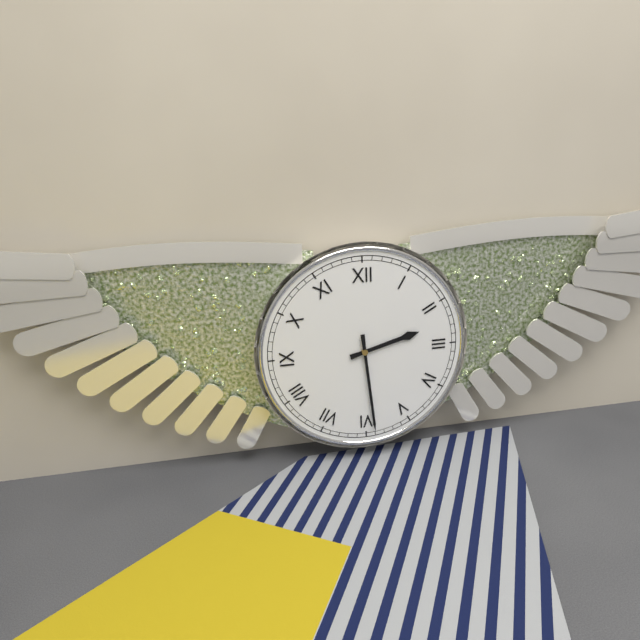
2.29
